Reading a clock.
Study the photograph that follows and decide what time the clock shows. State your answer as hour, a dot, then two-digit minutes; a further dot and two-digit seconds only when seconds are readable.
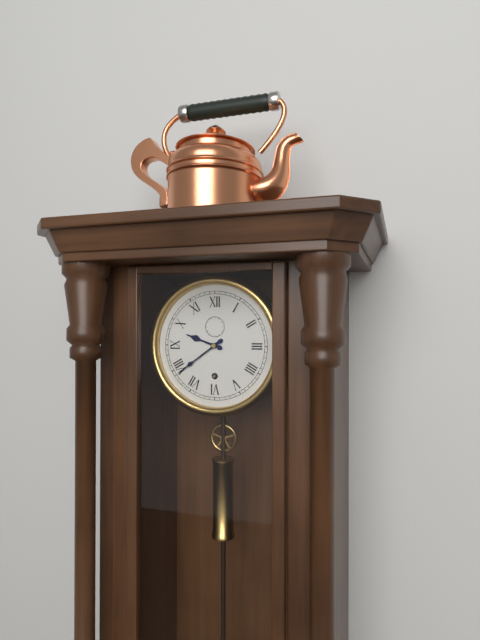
9.39
